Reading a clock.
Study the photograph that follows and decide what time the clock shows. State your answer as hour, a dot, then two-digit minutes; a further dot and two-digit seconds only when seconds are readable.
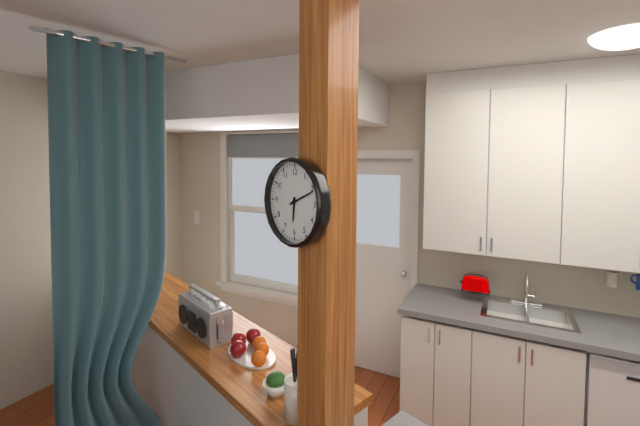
6.11
